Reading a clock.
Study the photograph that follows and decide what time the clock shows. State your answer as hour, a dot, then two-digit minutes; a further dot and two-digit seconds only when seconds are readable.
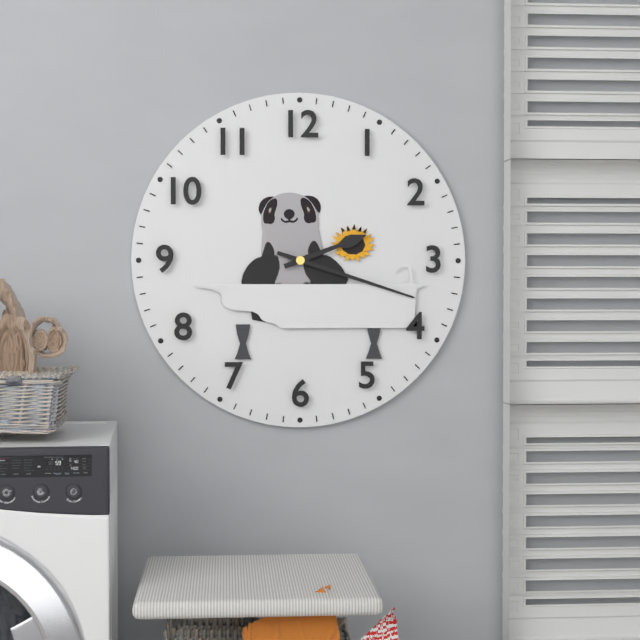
2.18
